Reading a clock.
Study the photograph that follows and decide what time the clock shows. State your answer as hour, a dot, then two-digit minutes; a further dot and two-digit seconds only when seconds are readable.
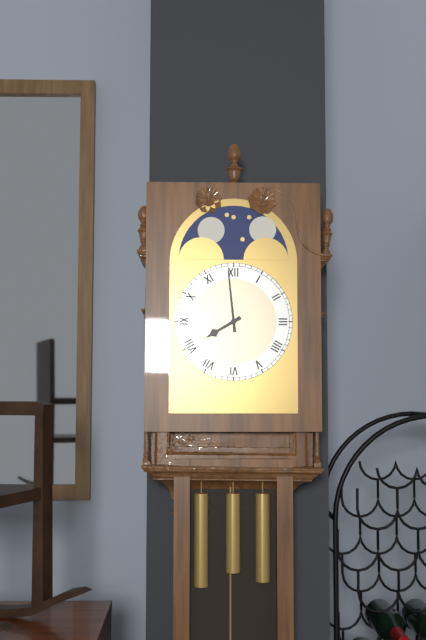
7.59
